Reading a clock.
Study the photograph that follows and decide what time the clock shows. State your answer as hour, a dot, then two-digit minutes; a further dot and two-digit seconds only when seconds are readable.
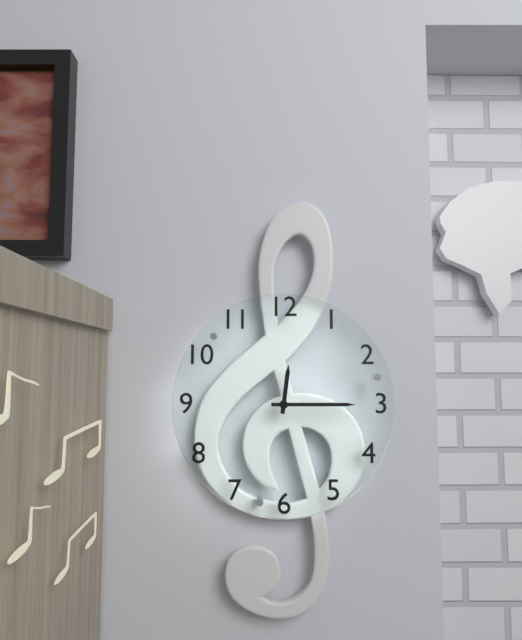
12.15
